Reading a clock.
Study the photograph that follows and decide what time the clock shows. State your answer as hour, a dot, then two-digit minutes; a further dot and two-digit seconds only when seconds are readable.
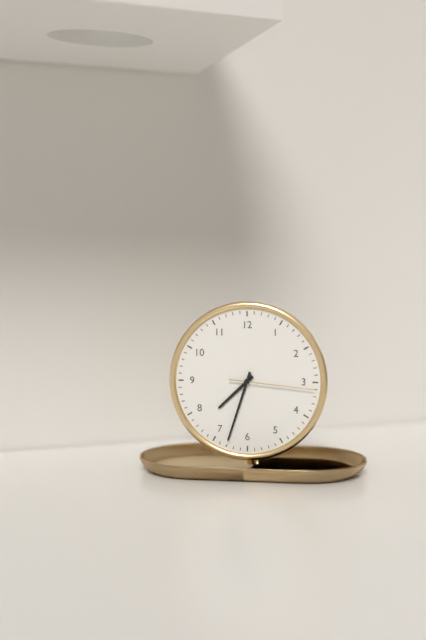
7.33.16
